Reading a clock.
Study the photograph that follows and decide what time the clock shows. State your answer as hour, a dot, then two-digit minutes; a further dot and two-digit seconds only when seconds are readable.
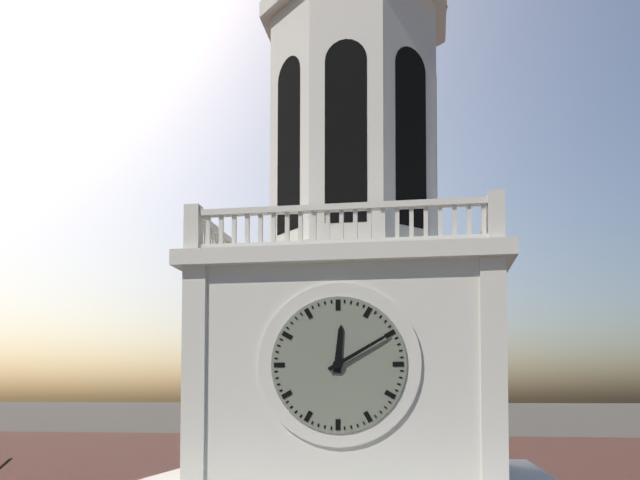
12.10
